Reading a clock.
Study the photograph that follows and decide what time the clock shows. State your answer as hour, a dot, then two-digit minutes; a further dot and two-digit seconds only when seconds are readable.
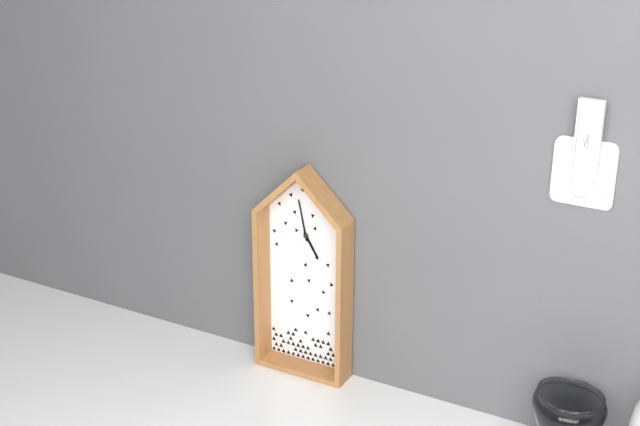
4.58
